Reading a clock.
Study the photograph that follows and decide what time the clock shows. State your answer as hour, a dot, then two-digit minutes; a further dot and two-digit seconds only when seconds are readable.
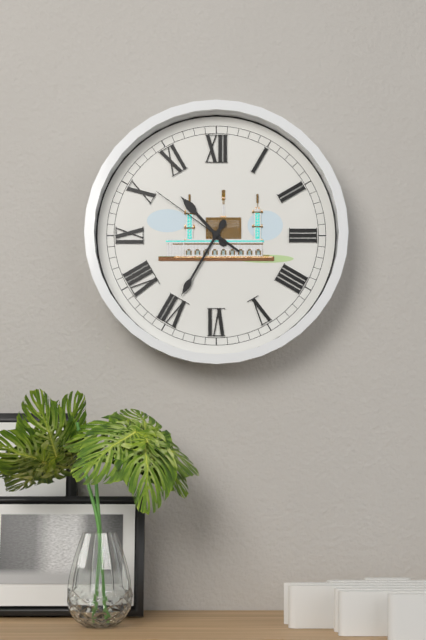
10.35.51
